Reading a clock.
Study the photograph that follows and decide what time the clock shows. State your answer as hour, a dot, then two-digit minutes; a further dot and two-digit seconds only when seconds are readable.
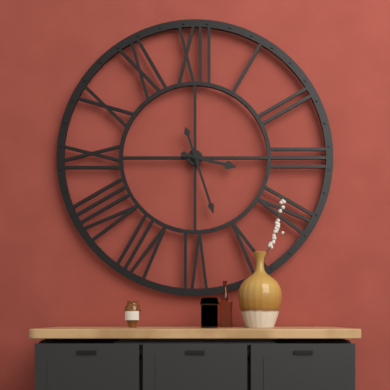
3.27
